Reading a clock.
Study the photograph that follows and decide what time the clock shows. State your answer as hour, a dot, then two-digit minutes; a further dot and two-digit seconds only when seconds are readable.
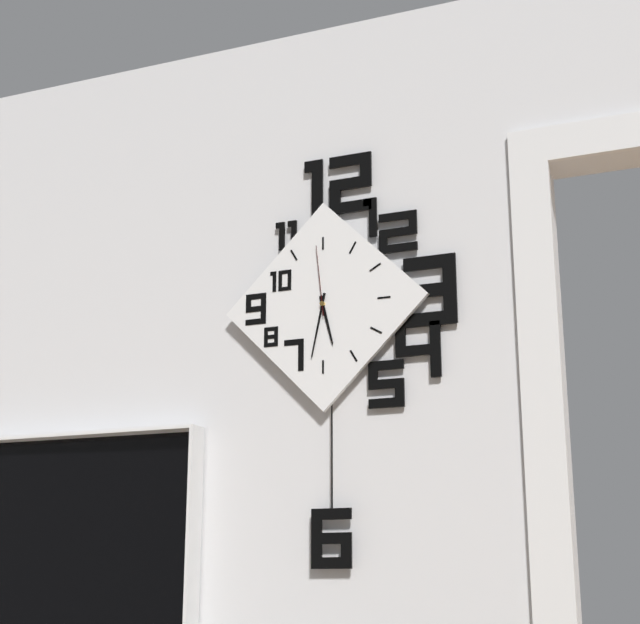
5.32.59
